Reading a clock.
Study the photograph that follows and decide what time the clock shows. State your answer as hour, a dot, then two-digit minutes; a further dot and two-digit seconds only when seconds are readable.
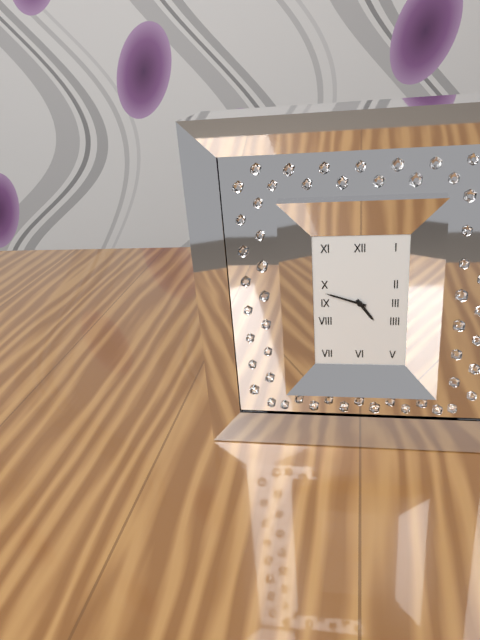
4.48
